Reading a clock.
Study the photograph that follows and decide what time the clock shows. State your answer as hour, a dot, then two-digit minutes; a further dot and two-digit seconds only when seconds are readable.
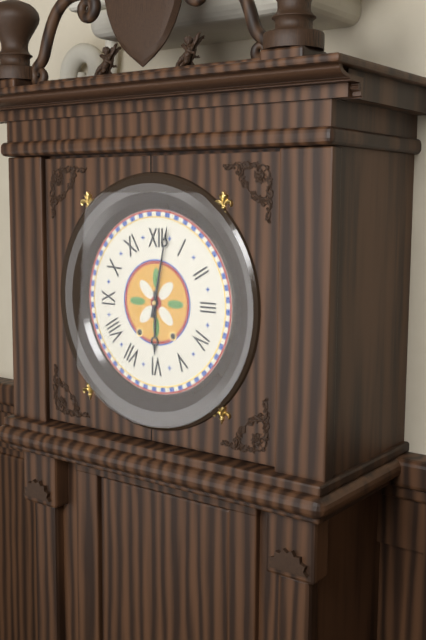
6.02
